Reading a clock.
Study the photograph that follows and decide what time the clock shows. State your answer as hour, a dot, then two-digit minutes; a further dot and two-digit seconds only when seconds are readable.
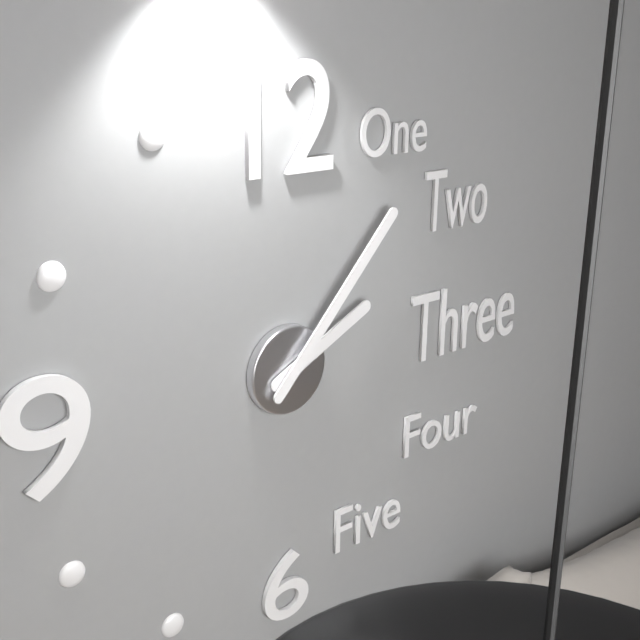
2.07
